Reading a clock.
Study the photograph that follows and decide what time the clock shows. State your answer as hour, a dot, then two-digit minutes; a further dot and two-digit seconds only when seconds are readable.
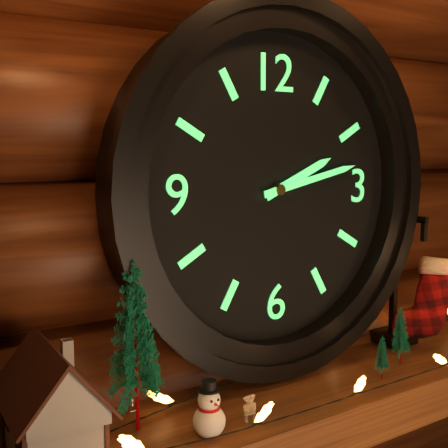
2.13
